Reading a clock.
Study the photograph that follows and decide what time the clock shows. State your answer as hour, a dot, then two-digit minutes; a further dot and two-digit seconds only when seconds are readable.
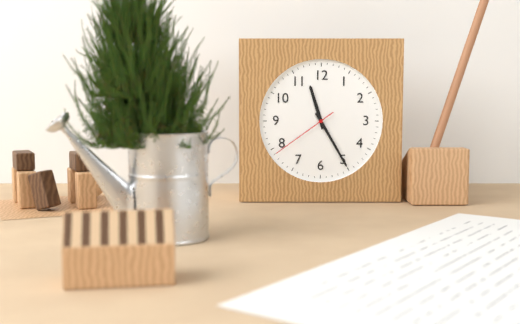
11.25.39
